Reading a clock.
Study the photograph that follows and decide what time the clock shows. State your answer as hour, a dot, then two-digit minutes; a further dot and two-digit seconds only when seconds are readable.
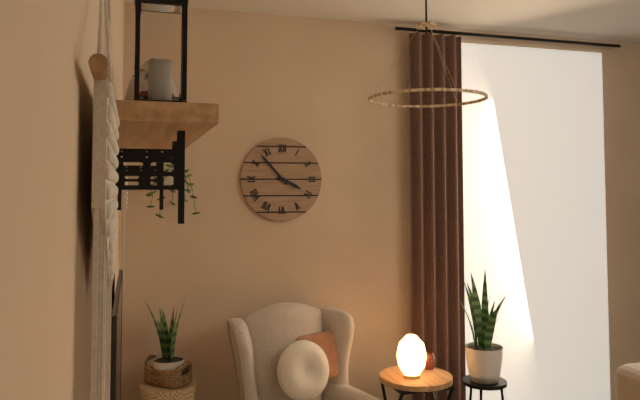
3.53
